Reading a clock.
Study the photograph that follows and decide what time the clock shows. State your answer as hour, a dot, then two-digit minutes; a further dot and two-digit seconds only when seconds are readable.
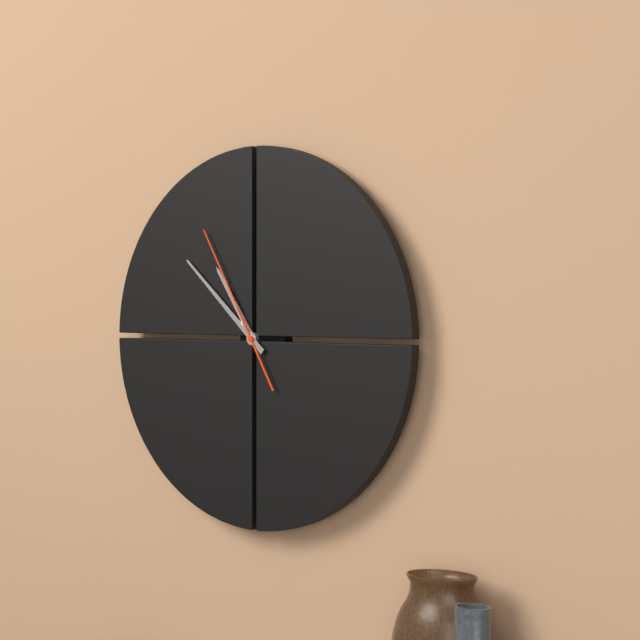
10.52.55
